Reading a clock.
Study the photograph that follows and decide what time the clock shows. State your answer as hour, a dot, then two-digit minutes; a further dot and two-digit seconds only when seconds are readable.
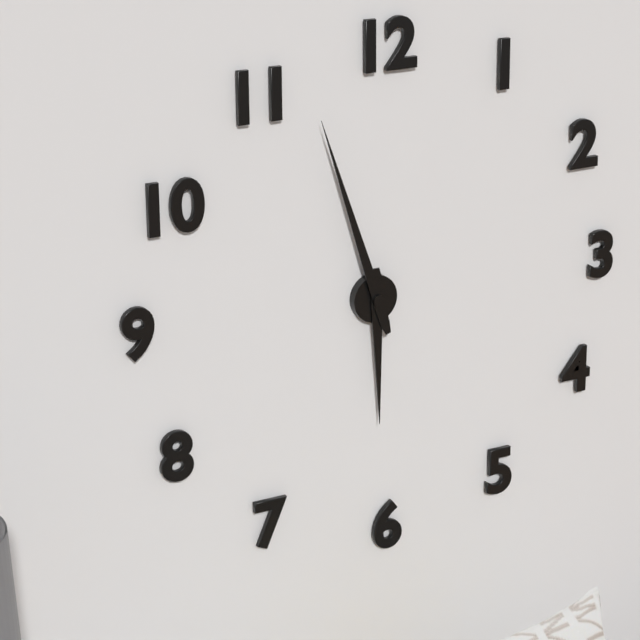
5.57
